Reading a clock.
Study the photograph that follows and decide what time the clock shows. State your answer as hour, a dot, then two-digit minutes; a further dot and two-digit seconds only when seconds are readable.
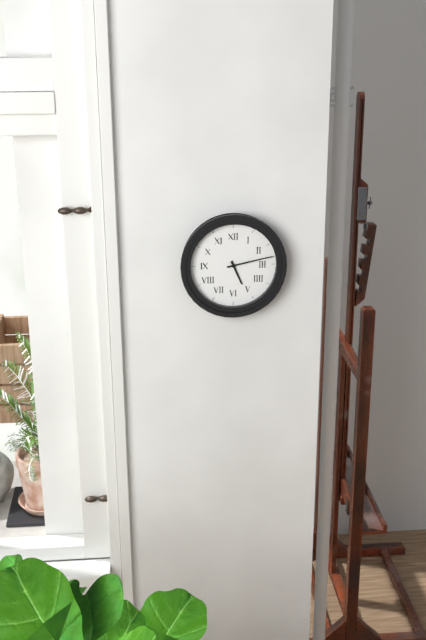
5.13
